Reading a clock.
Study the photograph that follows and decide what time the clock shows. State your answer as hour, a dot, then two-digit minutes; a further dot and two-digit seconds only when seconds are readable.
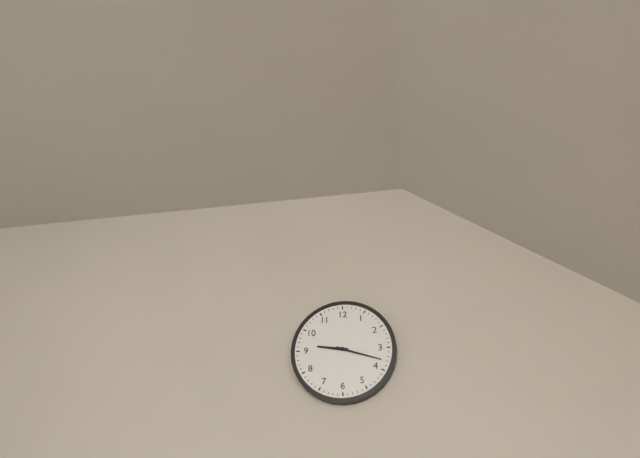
9.18
